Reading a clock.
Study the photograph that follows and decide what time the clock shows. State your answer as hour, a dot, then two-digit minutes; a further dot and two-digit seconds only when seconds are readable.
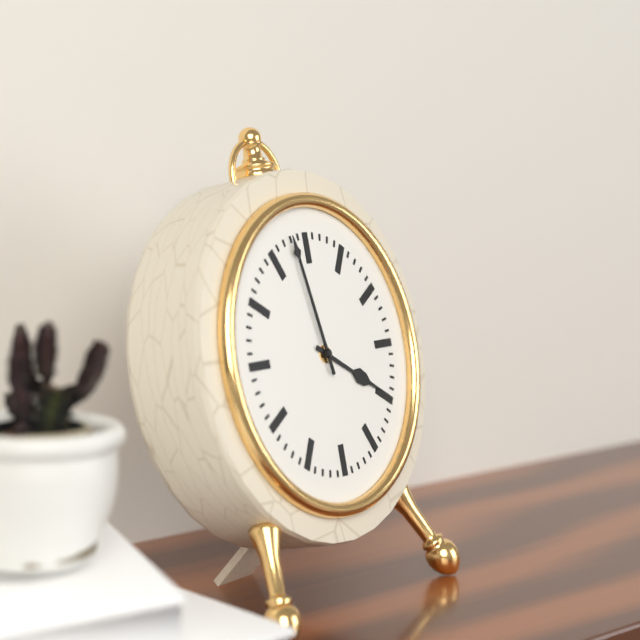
3.58
